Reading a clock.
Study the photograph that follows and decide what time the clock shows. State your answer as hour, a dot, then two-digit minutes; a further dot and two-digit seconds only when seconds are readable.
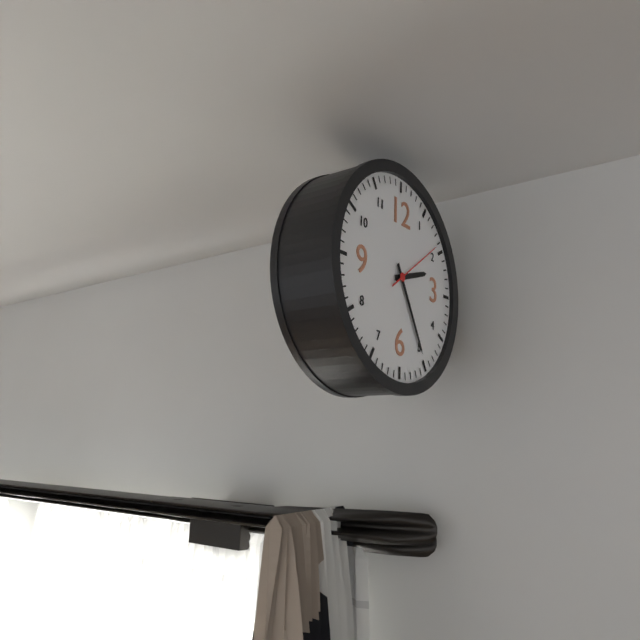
2.25.09
